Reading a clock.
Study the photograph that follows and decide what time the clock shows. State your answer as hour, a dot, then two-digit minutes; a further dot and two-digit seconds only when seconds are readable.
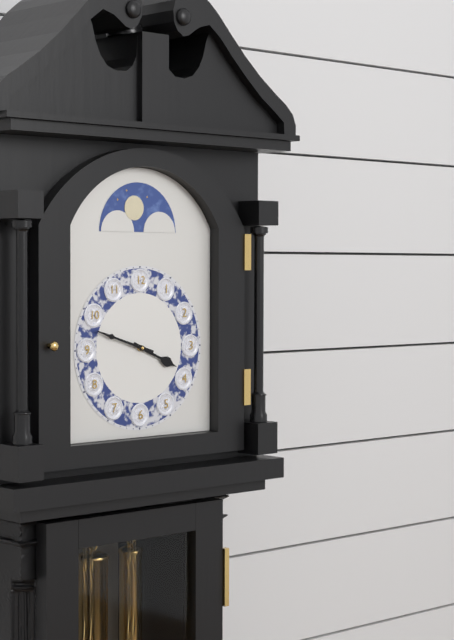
3.48
